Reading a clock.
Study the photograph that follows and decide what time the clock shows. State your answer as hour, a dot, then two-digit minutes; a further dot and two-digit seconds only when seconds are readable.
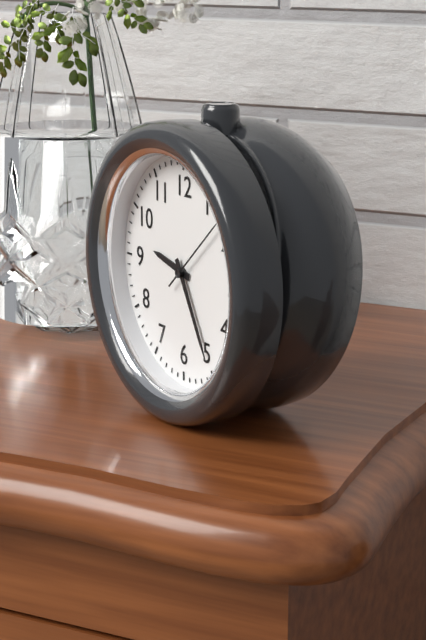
9.25.08
